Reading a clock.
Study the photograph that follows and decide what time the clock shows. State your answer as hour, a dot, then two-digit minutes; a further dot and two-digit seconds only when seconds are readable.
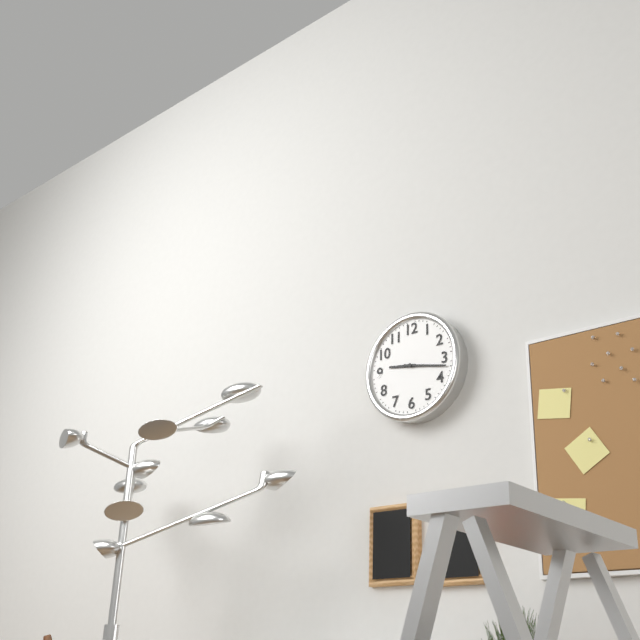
9.17
